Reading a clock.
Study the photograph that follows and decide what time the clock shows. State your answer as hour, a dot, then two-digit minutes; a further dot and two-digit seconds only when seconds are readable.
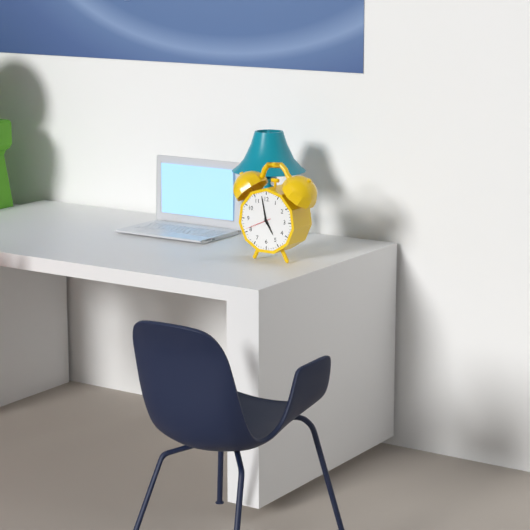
4.58
